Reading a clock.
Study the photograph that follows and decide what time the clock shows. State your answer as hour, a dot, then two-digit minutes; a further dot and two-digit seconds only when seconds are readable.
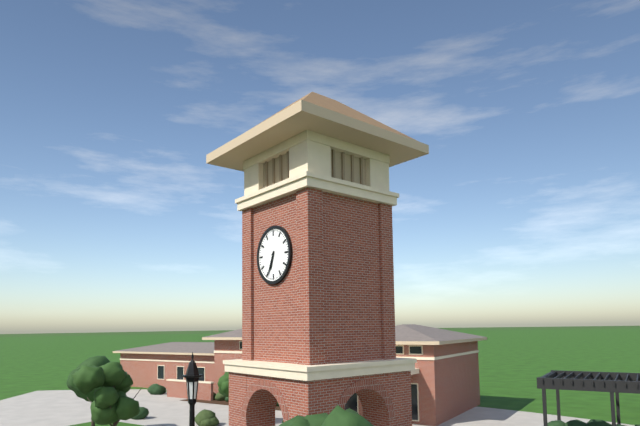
6.34
